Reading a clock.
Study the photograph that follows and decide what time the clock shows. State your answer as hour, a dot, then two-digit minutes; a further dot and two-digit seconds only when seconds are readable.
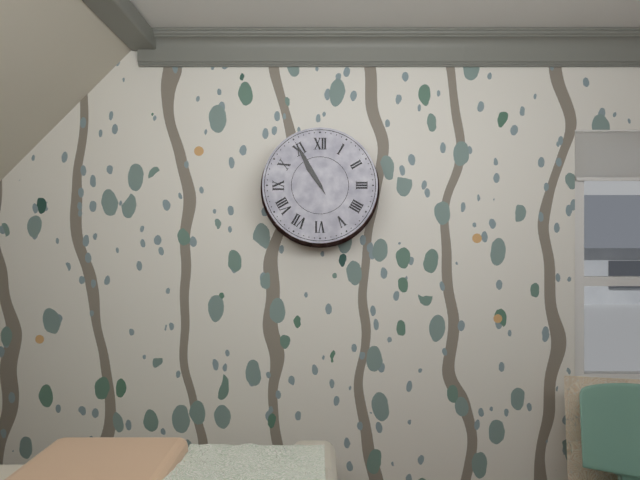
10.55
